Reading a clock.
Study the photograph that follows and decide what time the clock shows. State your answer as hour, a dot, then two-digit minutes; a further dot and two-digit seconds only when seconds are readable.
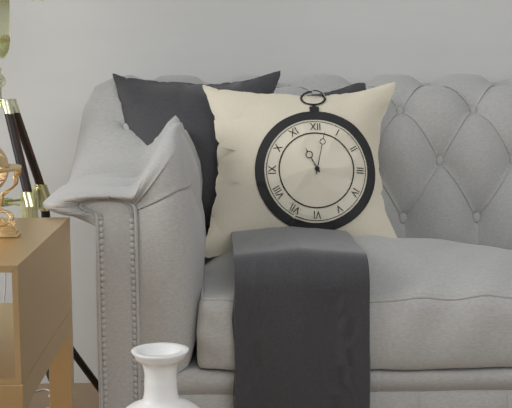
11.02
